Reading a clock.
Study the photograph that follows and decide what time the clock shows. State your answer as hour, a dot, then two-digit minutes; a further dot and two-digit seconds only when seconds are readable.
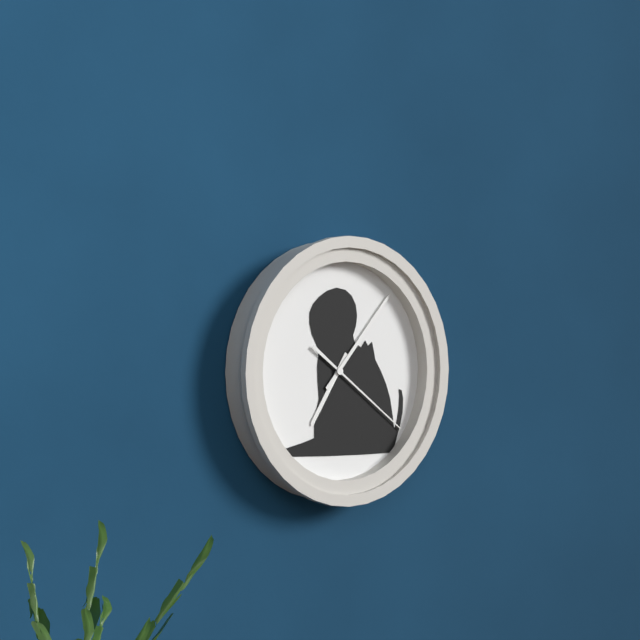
7.07.21
